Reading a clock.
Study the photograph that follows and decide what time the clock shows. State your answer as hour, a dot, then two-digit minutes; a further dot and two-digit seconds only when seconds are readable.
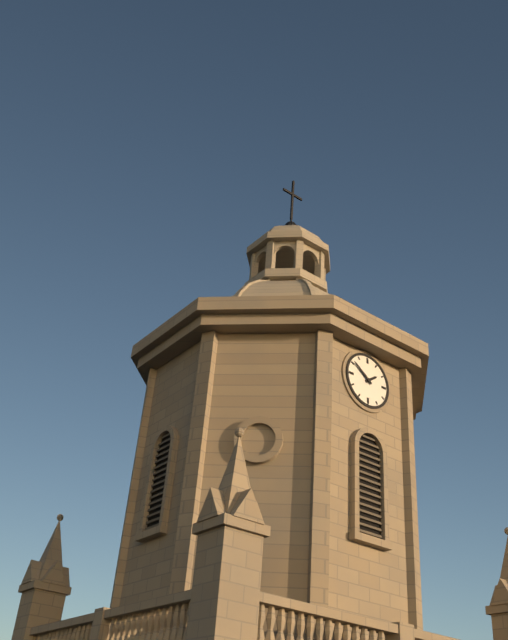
1.51
